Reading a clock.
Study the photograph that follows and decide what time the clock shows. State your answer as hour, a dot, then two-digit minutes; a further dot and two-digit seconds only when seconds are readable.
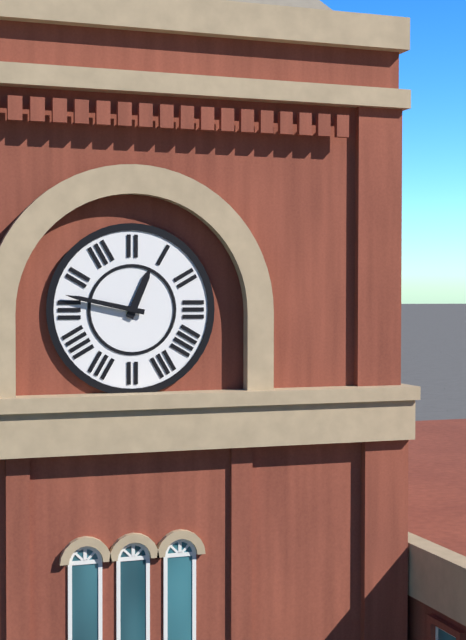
12.47
